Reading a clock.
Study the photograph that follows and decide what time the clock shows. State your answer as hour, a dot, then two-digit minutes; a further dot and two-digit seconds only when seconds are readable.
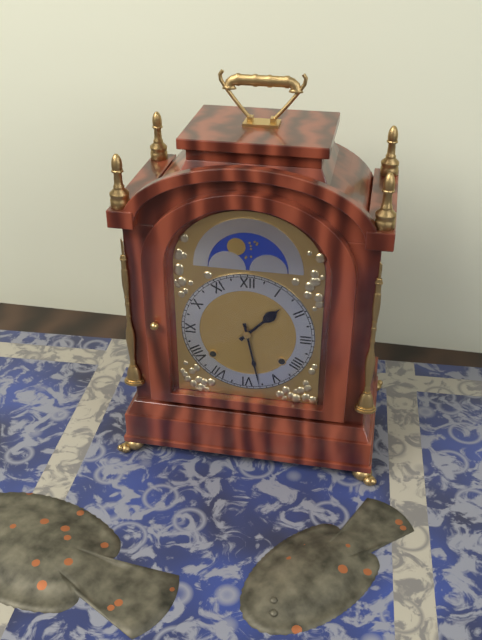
1.28
